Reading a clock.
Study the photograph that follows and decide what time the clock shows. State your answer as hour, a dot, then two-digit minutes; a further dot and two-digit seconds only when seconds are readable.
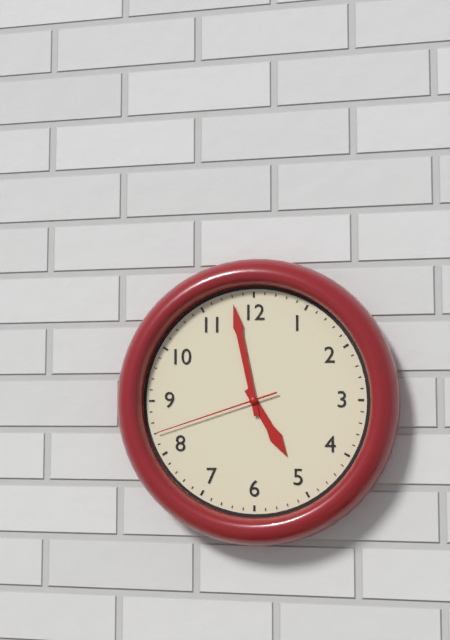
4.58.42
